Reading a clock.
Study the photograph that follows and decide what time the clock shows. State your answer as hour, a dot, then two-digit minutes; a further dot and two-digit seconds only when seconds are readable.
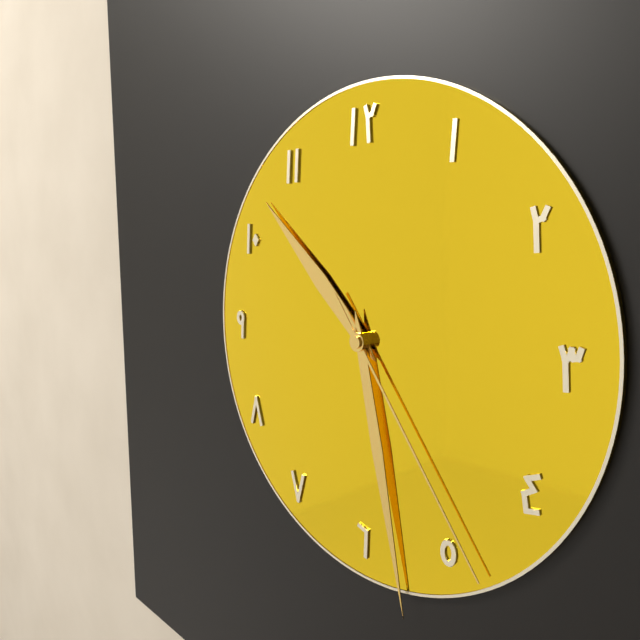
10.28.24
